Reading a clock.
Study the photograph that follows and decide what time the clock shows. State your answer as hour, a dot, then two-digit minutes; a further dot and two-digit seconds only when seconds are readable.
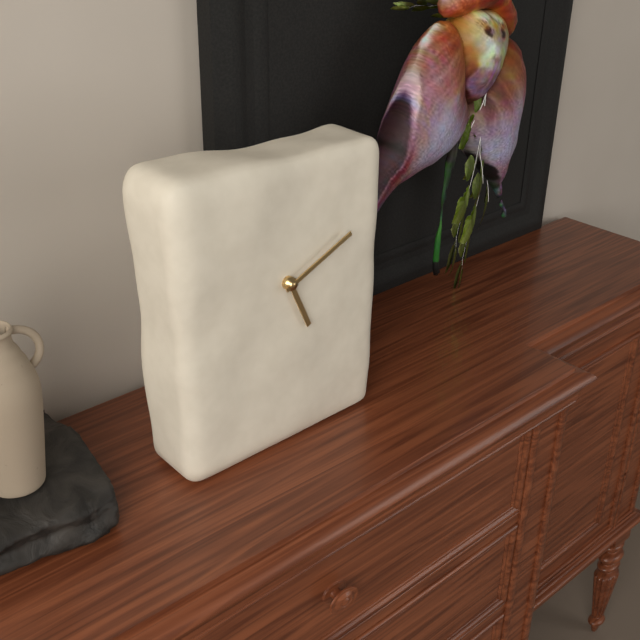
5.11
